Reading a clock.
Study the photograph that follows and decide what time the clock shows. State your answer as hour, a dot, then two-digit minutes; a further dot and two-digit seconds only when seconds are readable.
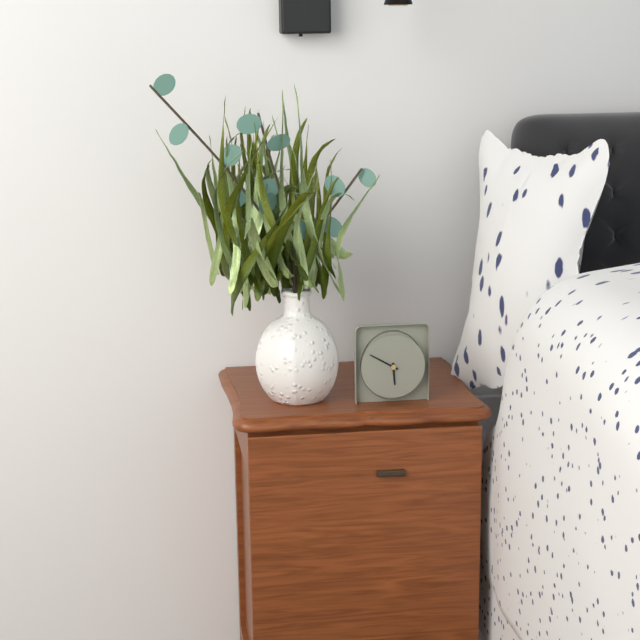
5.50
